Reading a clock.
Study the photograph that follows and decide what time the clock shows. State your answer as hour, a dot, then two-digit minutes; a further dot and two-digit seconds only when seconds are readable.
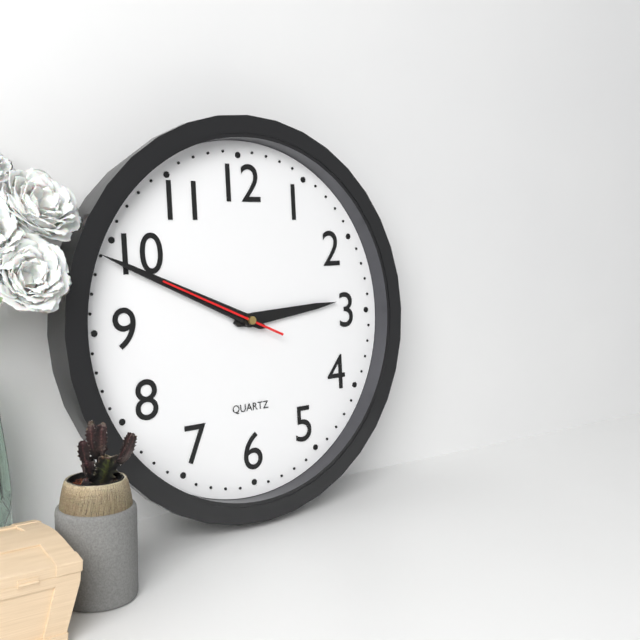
2.49.49
